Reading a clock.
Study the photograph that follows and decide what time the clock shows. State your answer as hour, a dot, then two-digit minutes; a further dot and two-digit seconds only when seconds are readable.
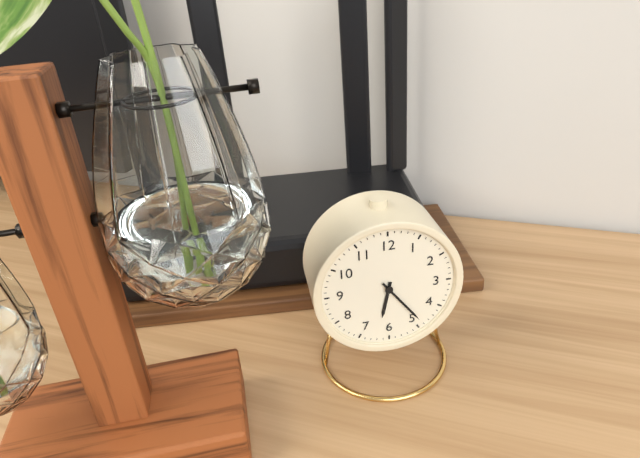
6.24
